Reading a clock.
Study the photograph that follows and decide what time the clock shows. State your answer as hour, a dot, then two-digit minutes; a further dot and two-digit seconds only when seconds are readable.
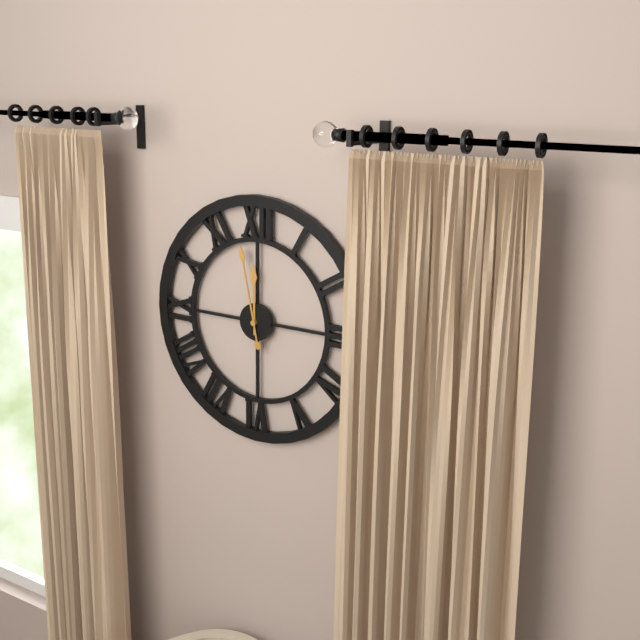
11.58
